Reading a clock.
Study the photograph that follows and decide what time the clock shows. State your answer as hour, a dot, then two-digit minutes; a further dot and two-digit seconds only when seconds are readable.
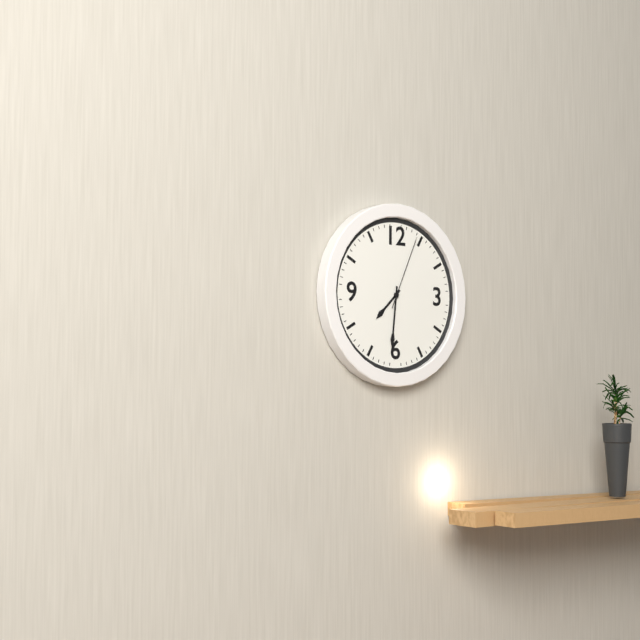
7.31.04
